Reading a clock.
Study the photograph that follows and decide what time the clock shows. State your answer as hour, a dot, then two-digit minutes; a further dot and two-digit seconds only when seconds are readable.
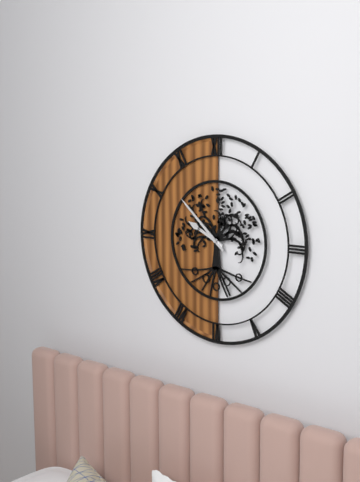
9.52
